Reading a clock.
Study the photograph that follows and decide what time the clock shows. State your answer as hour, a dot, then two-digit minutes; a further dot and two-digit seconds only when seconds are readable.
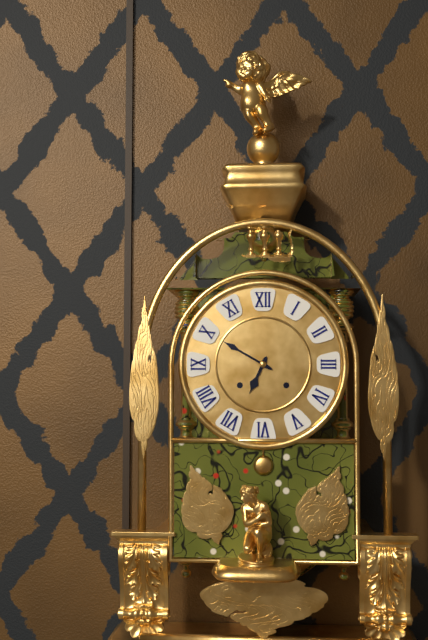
6.50
